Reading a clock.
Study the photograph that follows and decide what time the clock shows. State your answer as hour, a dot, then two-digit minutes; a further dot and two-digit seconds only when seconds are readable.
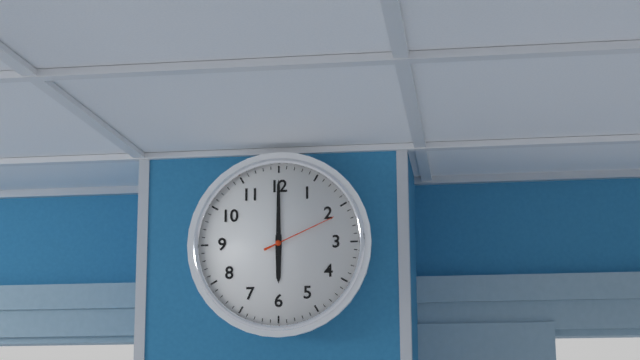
6.00.11
